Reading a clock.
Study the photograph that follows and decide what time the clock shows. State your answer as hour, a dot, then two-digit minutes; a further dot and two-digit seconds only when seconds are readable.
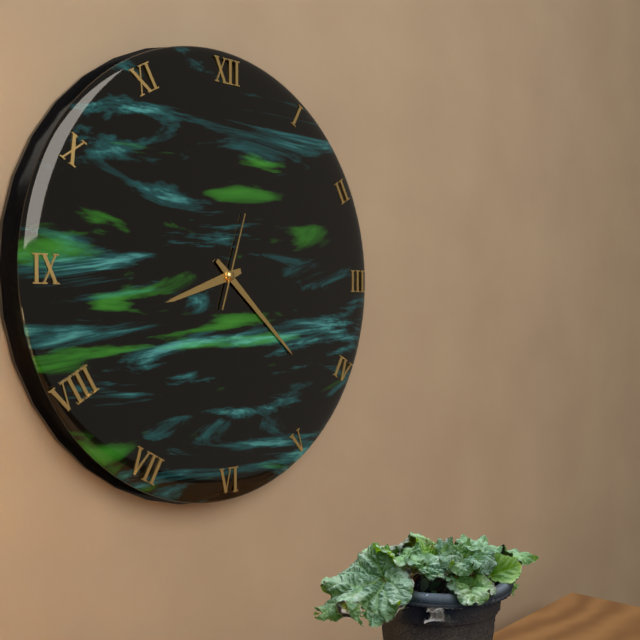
8.22.03
